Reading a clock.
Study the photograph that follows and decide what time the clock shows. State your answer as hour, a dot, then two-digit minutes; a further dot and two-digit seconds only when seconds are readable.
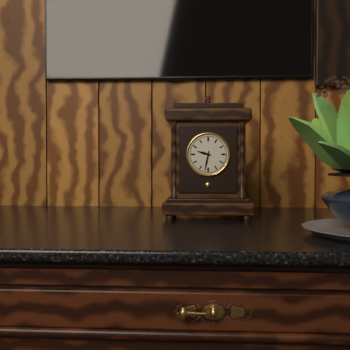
9.32
